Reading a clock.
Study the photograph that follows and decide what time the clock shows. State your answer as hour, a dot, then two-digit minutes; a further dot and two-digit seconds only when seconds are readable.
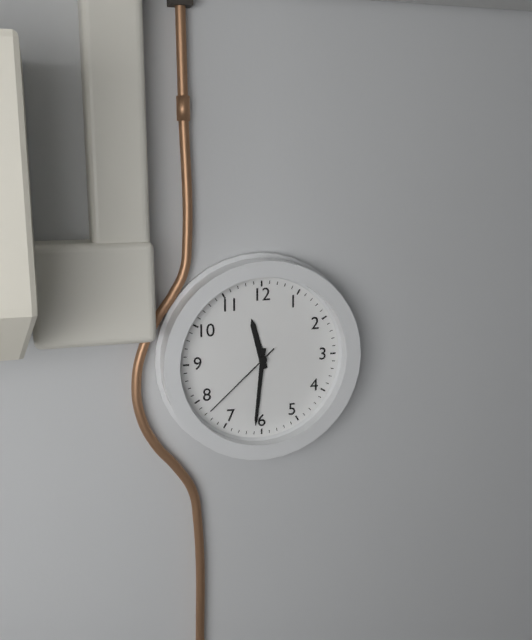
11.31.38
